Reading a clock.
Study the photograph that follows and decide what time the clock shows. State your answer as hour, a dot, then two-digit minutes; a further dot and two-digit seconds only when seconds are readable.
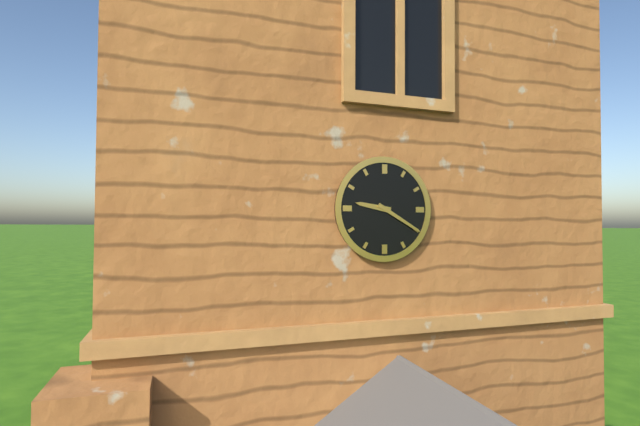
9.20
